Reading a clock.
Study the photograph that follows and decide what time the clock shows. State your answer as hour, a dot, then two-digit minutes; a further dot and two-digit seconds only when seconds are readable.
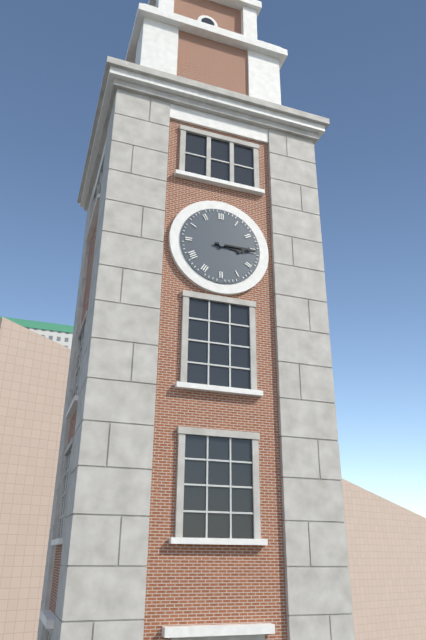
3.15
